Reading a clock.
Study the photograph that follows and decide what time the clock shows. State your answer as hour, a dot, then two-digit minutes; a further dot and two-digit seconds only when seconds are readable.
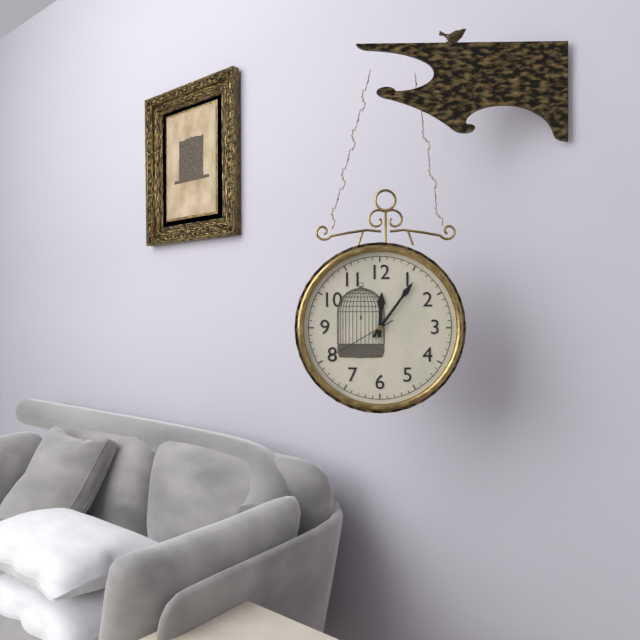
12.06.40
